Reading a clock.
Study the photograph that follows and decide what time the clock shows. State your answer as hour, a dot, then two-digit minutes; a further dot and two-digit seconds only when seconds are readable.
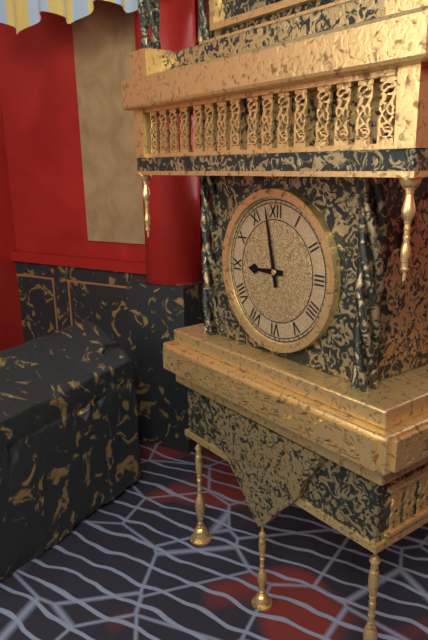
8.58
